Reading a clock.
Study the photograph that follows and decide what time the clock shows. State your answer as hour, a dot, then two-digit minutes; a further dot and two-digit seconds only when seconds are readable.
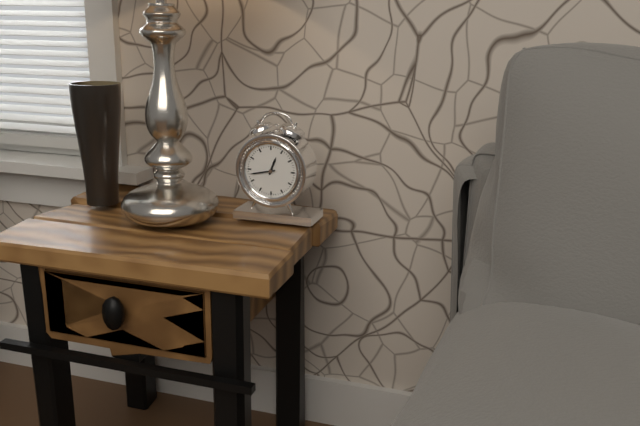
12.43
